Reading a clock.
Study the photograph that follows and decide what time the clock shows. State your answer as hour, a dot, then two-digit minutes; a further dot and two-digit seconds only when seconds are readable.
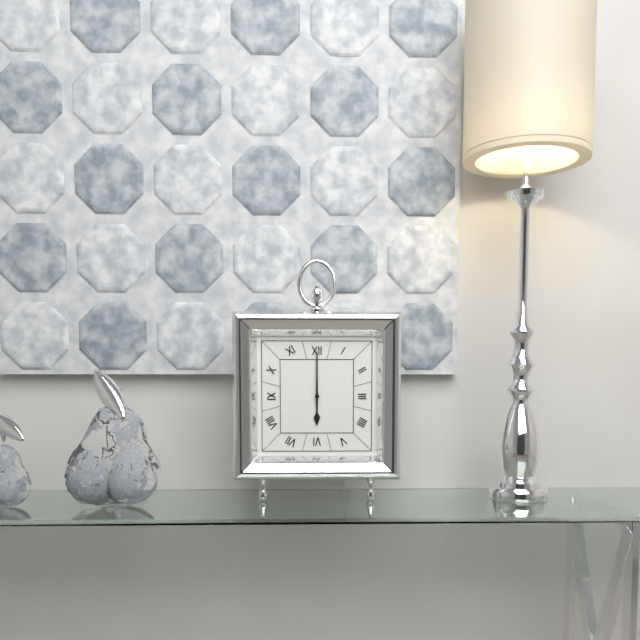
6.00
